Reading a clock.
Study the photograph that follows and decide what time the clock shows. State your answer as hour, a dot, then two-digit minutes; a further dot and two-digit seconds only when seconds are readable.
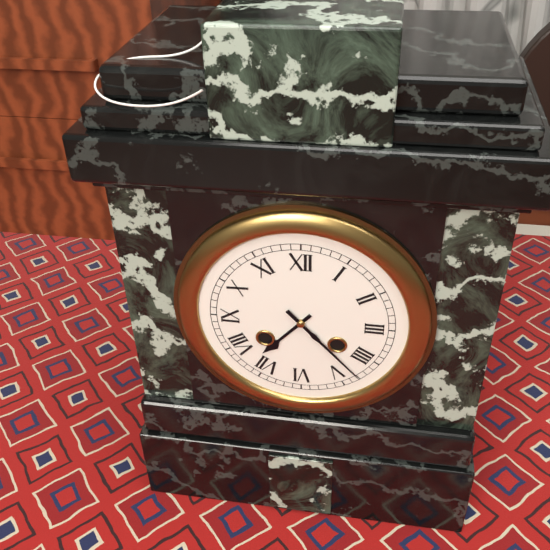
7.23
